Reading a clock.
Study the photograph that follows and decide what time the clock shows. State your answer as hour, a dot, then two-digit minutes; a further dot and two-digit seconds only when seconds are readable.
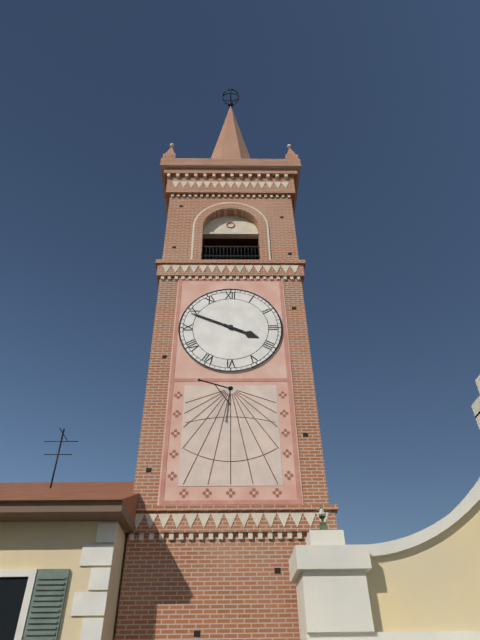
3.49
